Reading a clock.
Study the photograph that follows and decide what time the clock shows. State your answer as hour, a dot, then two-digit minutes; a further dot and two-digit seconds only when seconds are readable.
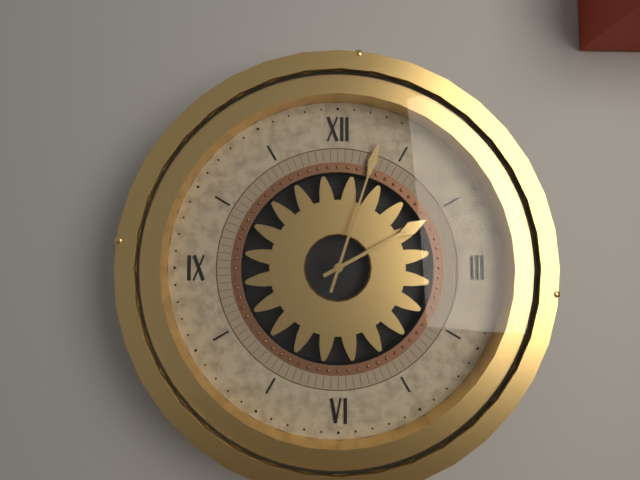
2.03
